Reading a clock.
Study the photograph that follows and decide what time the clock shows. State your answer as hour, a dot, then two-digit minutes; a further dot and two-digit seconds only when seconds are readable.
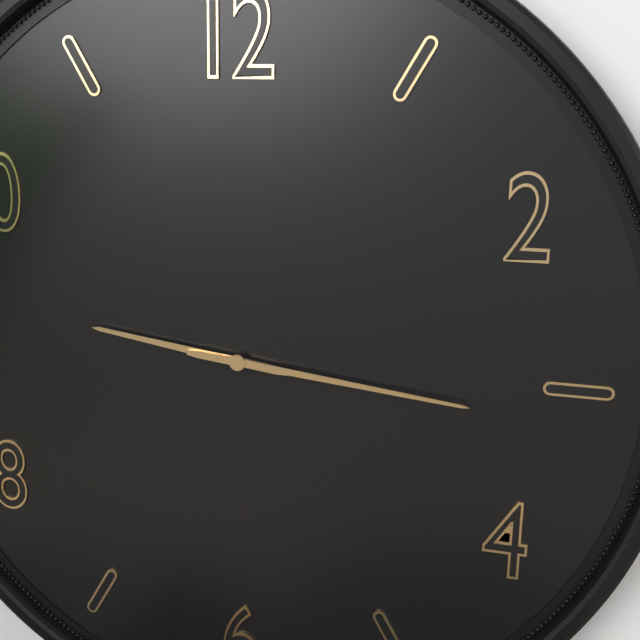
9.16
